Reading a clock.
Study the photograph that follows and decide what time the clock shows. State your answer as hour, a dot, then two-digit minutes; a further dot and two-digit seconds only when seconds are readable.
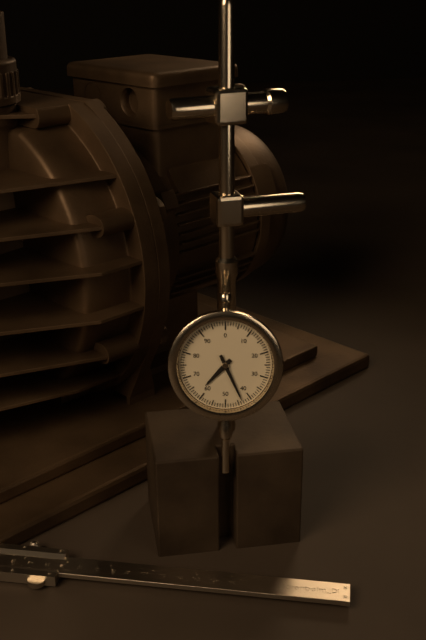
7.26
